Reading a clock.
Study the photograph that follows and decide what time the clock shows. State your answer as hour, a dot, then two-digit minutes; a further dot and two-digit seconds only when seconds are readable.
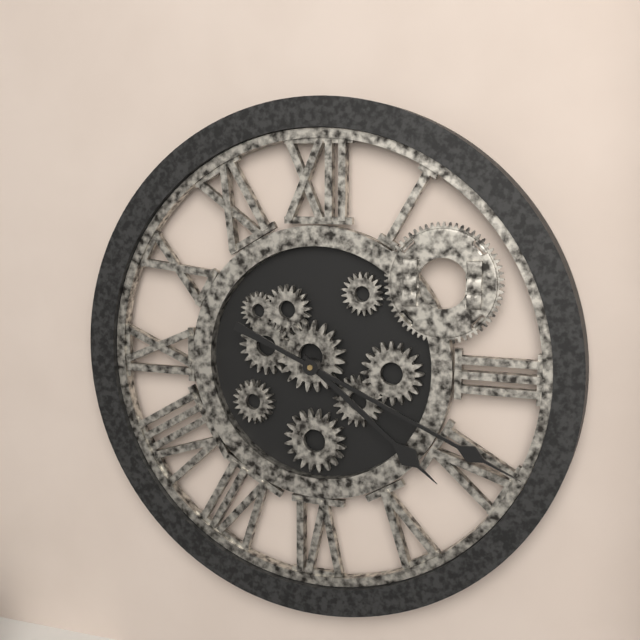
4.19
